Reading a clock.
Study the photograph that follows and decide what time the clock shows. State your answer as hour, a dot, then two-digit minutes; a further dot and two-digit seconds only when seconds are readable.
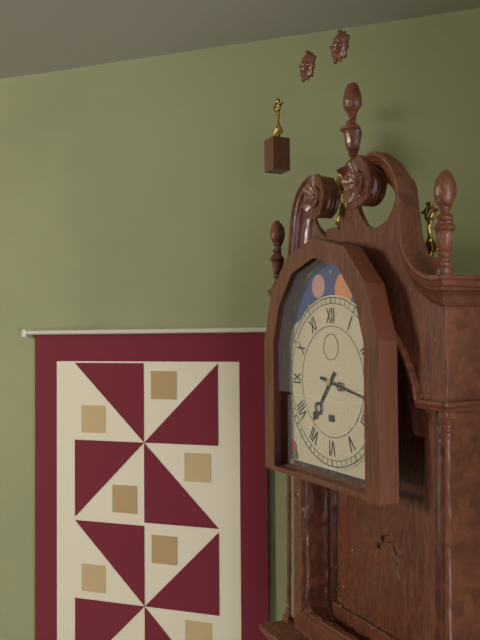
7.17
